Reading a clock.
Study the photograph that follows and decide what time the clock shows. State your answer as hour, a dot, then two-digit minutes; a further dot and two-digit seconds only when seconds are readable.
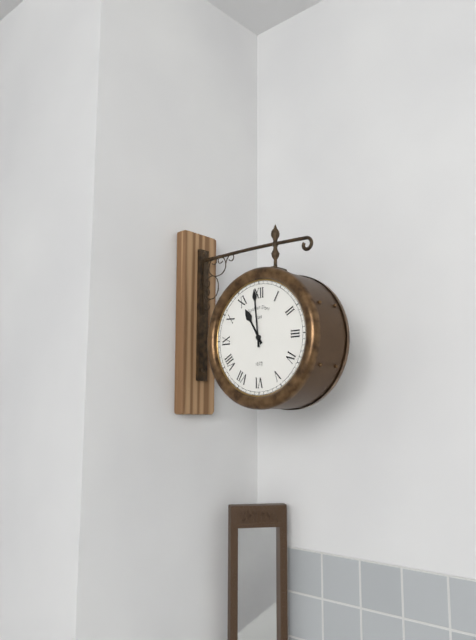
10.59
